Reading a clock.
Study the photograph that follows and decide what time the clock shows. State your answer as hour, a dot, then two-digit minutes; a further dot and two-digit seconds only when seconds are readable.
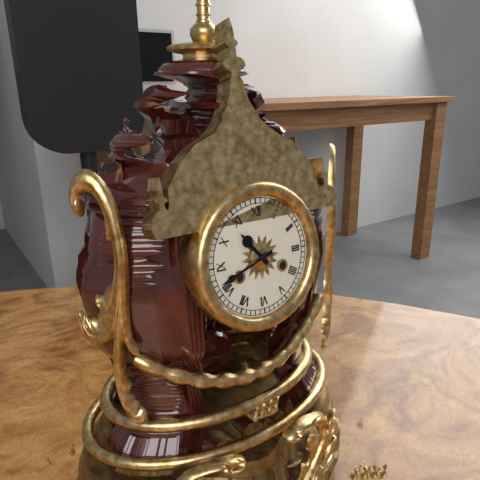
10.42
